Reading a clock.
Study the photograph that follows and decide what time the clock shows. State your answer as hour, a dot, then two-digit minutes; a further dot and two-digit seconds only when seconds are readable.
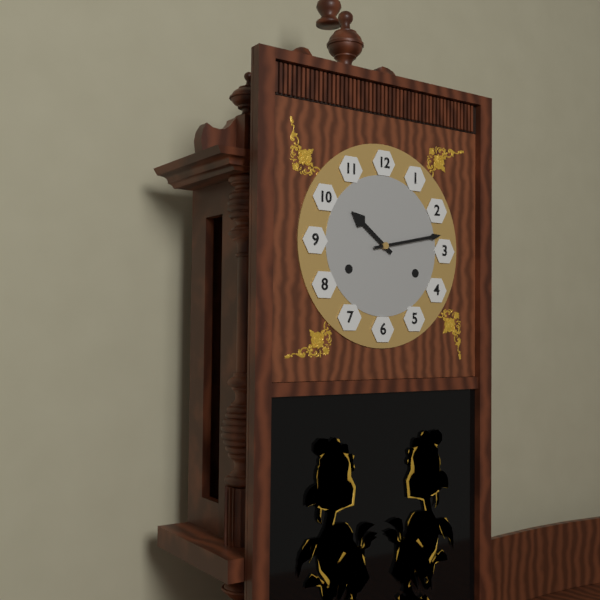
10.13
